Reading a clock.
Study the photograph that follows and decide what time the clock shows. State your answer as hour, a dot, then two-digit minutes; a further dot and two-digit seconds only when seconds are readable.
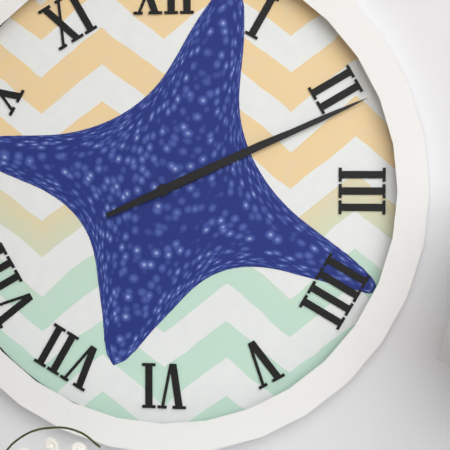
2.11
